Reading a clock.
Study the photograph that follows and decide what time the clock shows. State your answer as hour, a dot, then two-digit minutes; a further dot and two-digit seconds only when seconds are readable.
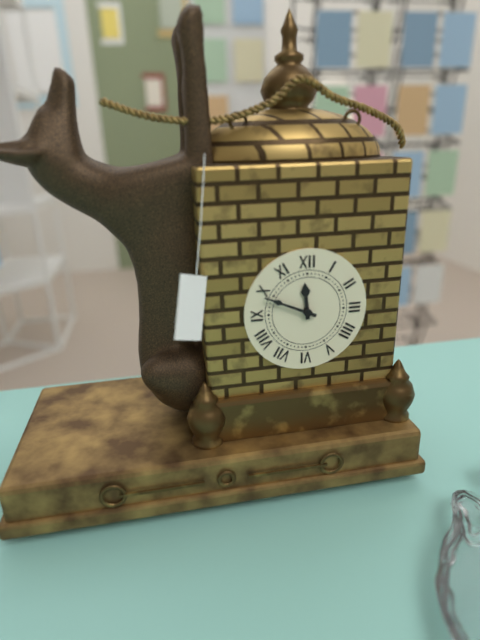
11.49
